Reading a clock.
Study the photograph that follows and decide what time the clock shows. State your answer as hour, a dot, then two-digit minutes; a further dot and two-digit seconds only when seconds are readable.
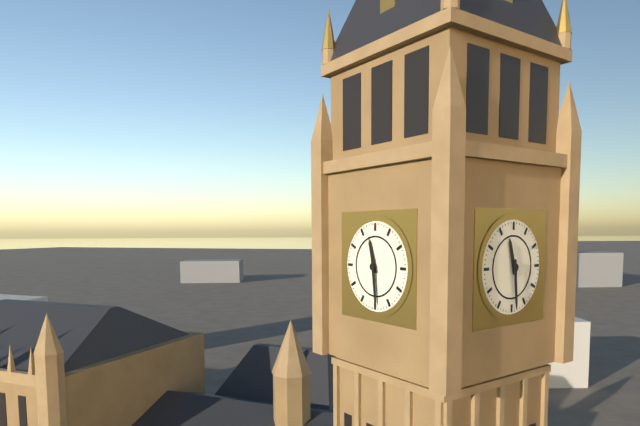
11.29
